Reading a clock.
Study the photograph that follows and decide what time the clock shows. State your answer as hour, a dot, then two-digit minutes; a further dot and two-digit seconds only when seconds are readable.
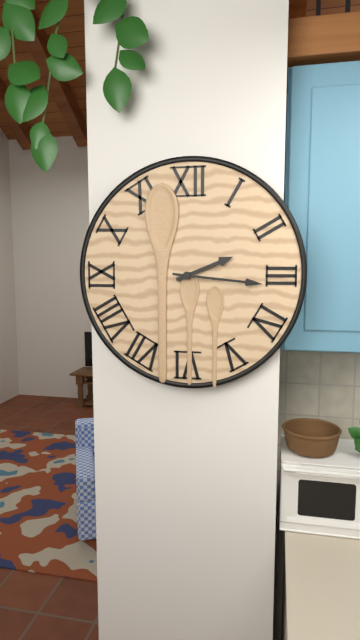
2.16
